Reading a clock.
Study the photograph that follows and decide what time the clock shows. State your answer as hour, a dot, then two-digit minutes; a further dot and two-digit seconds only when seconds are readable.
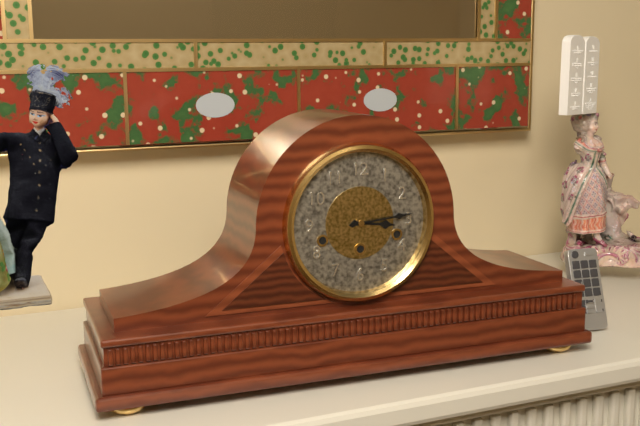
3.14
